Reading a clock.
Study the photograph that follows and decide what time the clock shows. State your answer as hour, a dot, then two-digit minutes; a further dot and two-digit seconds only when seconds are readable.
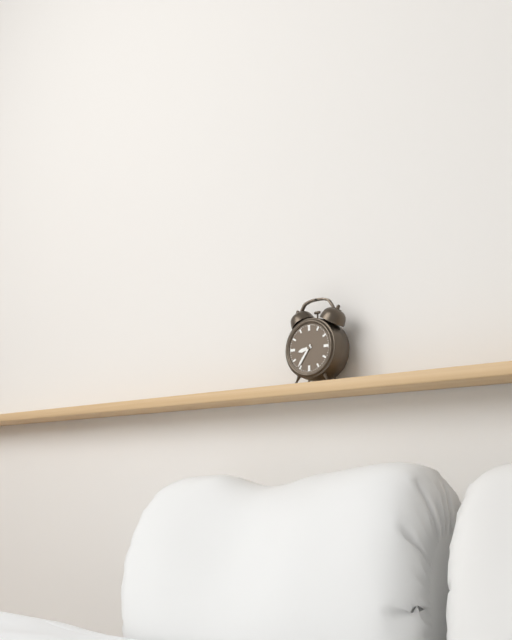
8.36
